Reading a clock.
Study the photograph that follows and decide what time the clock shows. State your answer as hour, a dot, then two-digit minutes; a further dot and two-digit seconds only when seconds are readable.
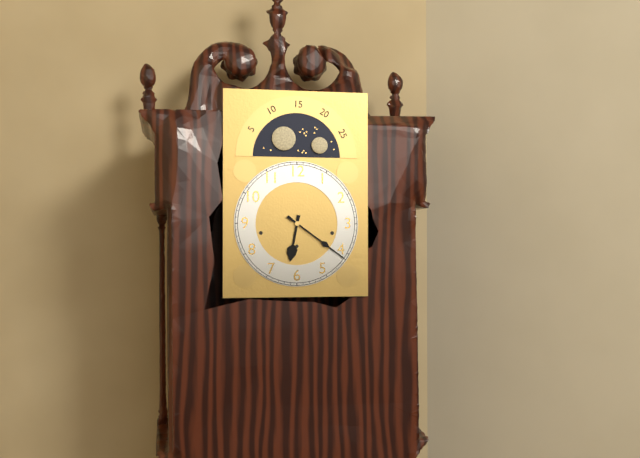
6.21
